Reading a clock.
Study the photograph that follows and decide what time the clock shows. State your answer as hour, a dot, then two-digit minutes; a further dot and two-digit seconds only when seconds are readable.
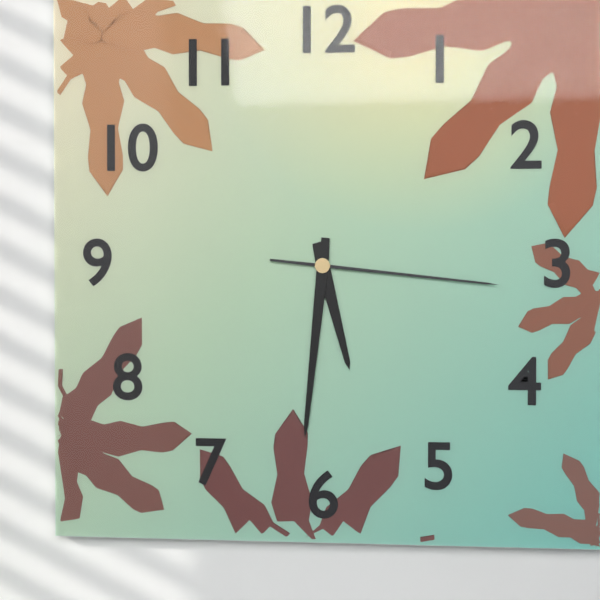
5.31.16
